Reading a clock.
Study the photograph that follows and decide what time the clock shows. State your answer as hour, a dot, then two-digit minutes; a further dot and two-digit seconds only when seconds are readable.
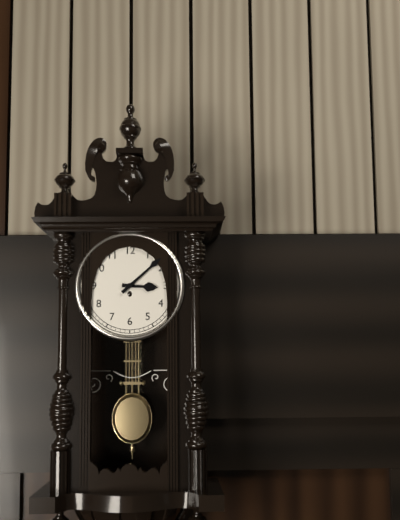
3.08
